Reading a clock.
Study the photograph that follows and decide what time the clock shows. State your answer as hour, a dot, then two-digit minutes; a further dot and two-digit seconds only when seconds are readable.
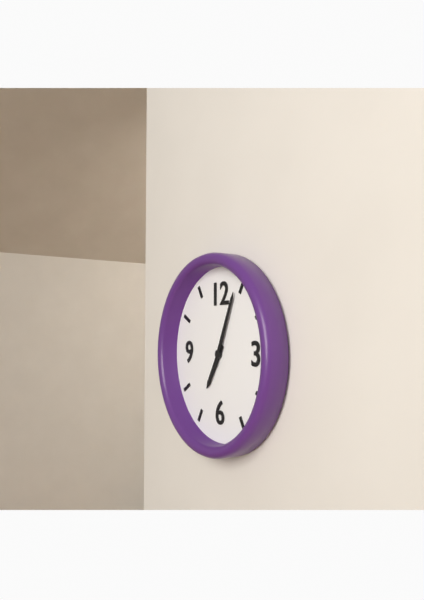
7.04
